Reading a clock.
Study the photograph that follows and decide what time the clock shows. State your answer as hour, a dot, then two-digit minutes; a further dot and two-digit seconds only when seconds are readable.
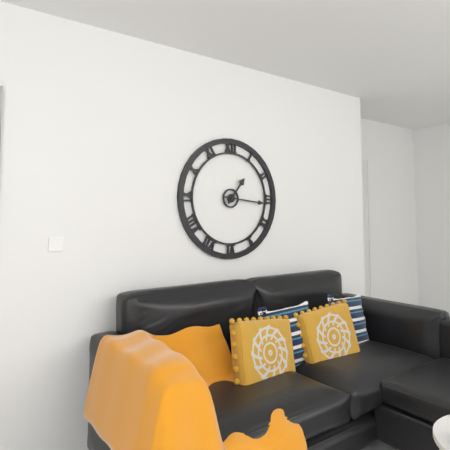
1.16
